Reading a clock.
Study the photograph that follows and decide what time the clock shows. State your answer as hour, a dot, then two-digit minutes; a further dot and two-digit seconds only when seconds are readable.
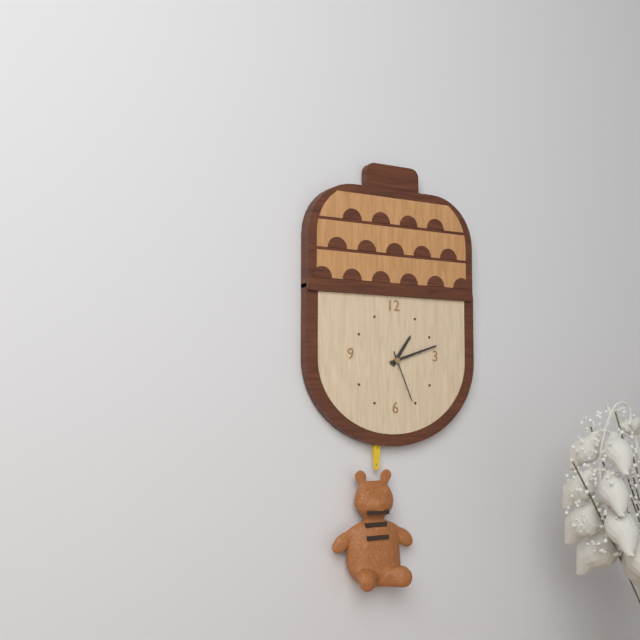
1.12.26
